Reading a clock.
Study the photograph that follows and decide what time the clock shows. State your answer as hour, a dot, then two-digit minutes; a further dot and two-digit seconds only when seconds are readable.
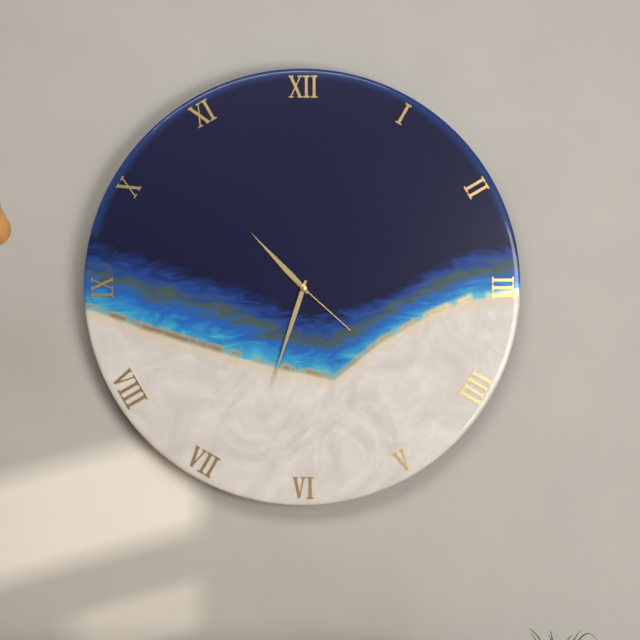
10.33.22
